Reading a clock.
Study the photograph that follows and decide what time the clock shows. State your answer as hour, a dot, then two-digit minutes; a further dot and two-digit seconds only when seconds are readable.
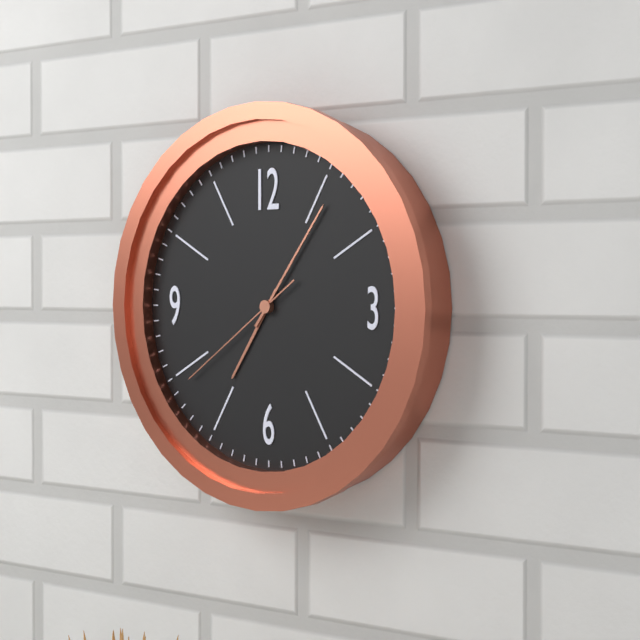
7.06.39
